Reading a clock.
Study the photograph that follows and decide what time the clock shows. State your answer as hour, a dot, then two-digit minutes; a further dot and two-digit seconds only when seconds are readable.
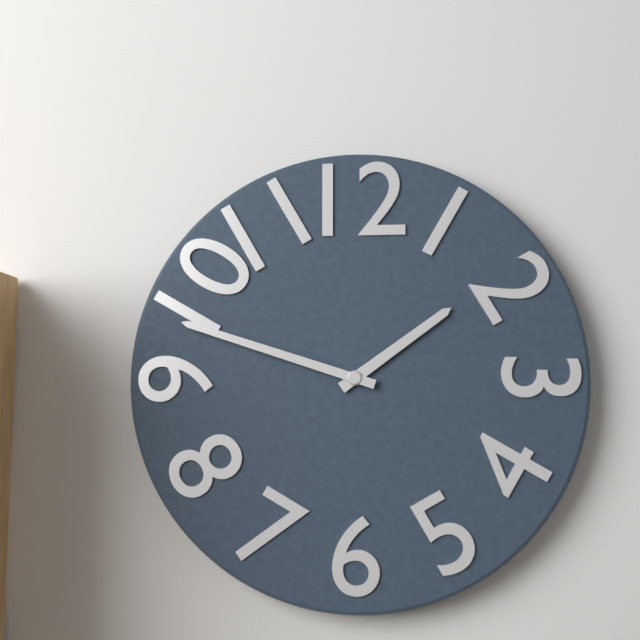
1.48
